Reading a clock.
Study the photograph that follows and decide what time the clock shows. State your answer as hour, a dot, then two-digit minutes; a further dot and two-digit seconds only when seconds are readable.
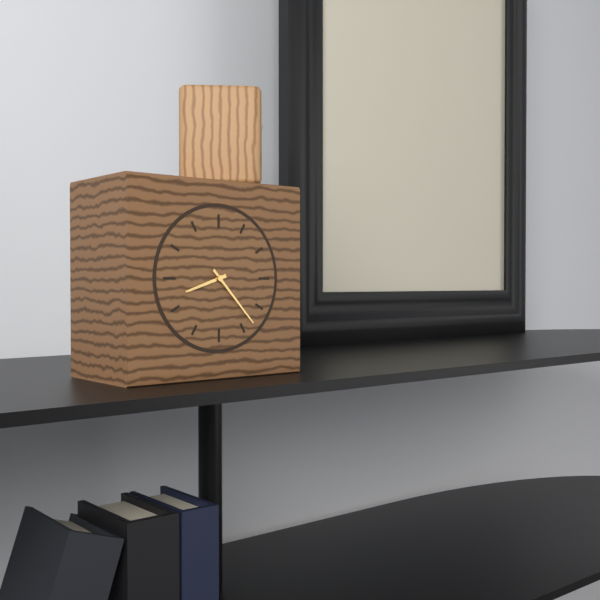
8.23
